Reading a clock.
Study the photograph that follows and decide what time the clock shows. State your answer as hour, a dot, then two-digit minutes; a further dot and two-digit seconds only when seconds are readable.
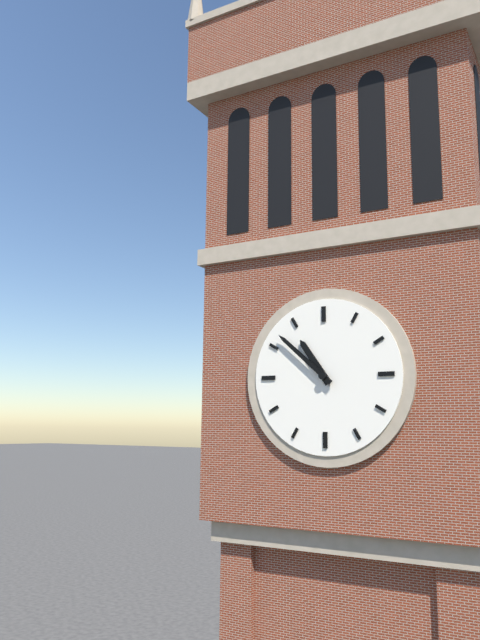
10.52
